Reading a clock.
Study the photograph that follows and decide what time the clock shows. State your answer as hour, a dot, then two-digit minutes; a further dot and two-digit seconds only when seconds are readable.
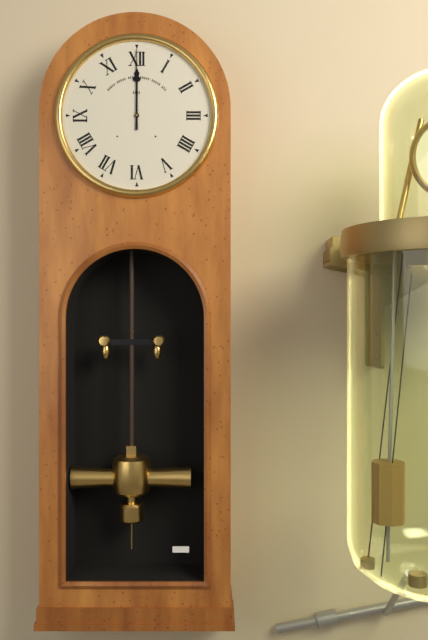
12.00
